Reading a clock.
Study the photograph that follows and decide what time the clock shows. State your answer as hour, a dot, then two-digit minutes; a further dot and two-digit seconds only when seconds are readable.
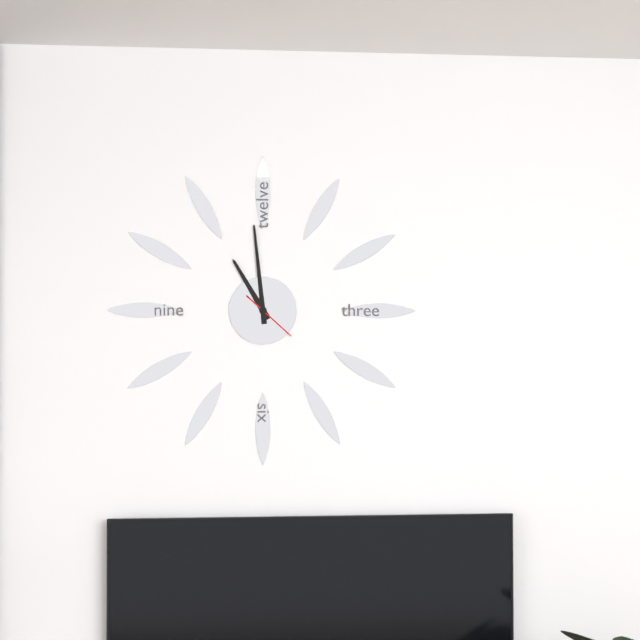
10.59
